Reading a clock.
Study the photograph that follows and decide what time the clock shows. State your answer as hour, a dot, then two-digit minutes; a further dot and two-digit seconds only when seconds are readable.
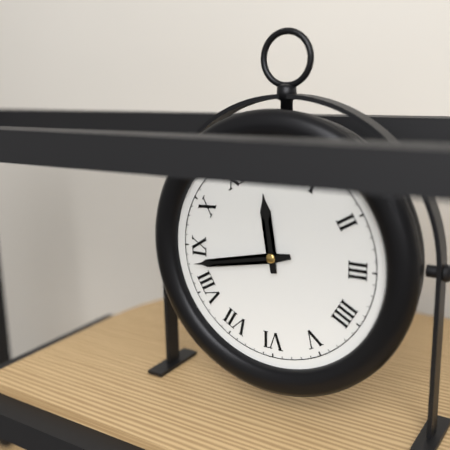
11.43
